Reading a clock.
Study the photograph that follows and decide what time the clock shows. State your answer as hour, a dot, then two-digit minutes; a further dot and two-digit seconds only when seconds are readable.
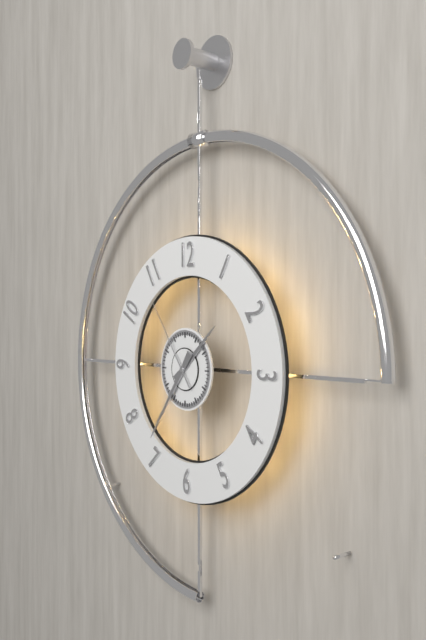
1.36.54
